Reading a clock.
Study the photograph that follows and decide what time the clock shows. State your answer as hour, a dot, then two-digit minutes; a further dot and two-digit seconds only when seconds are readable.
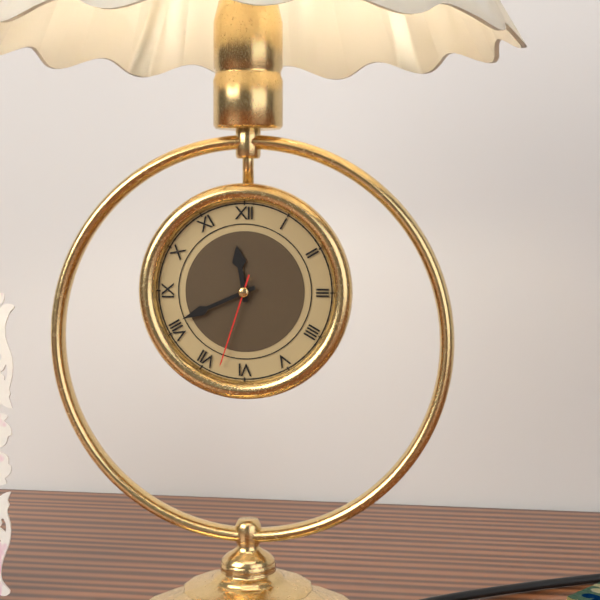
11.41.33
